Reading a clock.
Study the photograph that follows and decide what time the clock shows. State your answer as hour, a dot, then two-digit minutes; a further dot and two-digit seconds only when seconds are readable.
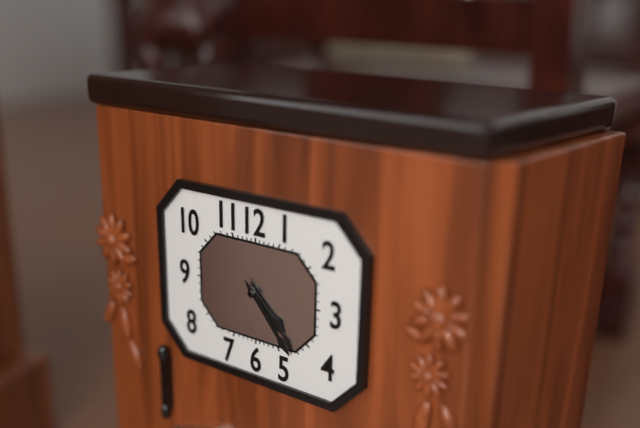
4.23
